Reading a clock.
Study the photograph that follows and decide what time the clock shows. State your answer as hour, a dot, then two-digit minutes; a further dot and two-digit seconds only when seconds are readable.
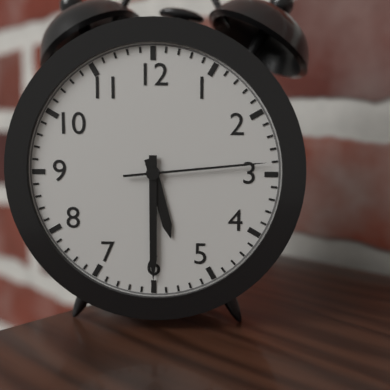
5.30.14
